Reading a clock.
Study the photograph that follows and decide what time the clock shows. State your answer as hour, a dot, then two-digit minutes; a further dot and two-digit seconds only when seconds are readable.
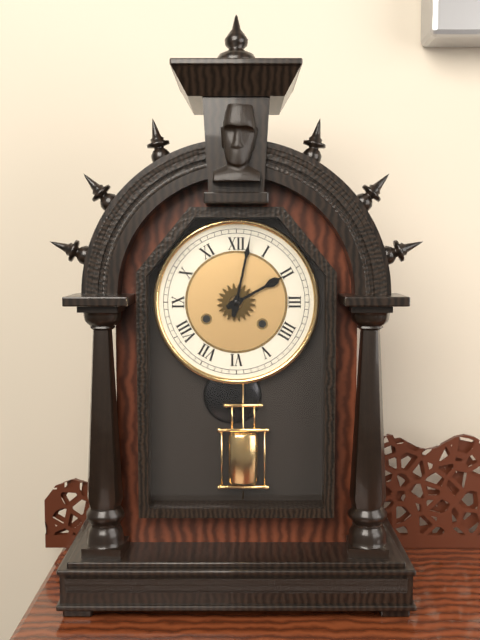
2.02
